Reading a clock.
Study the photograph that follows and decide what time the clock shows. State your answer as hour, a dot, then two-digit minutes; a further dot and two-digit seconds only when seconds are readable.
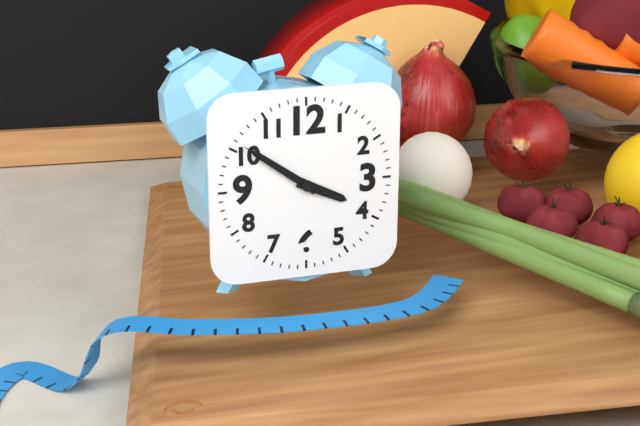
3.51.51
